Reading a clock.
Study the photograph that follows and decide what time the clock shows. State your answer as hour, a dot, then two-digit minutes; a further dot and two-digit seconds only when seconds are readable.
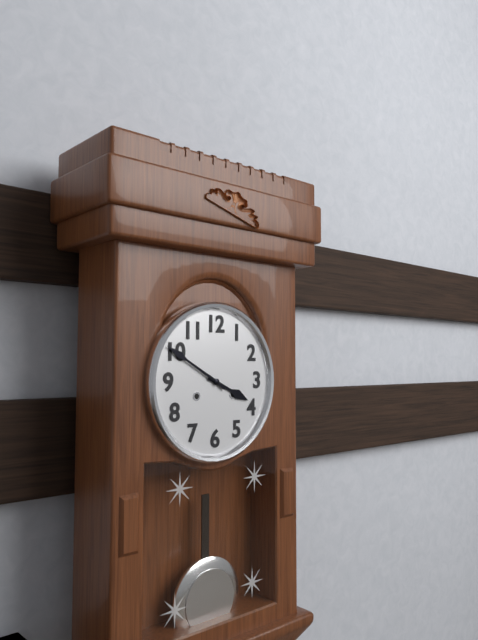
3.50
